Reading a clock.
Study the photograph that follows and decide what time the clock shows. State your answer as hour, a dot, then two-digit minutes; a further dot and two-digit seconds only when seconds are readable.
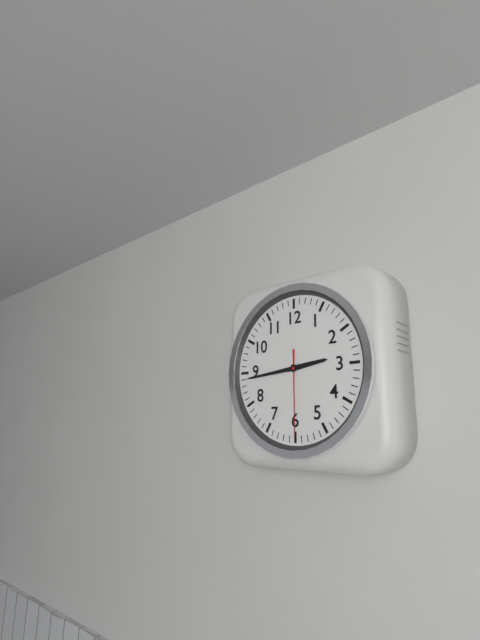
2.44.30
